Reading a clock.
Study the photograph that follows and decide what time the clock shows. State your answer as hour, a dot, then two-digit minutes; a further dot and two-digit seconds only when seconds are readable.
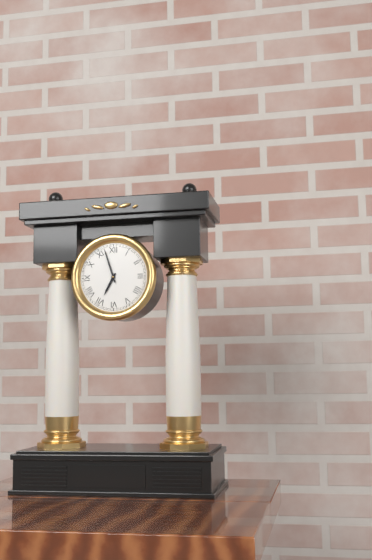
6.57
